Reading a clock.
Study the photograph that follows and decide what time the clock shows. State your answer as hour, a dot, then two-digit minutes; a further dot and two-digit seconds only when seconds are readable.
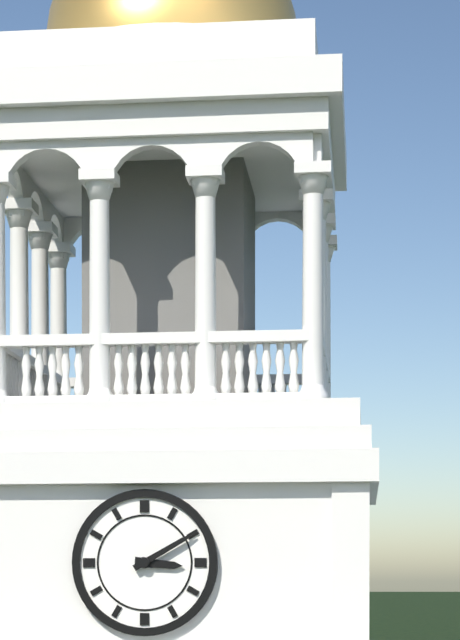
3.10
